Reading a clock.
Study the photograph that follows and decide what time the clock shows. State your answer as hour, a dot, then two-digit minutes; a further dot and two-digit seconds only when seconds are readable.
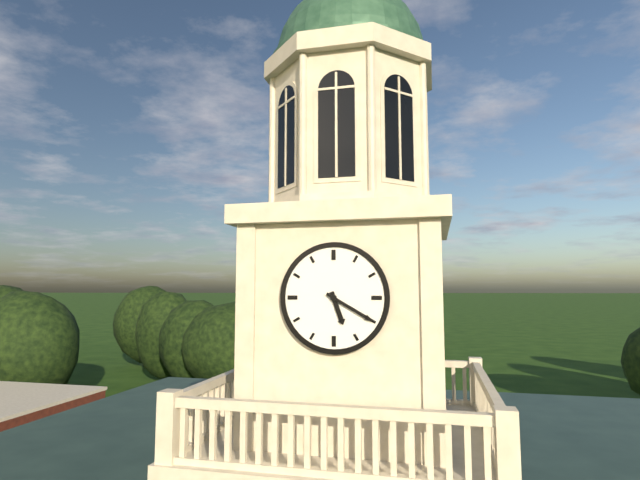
5.20
